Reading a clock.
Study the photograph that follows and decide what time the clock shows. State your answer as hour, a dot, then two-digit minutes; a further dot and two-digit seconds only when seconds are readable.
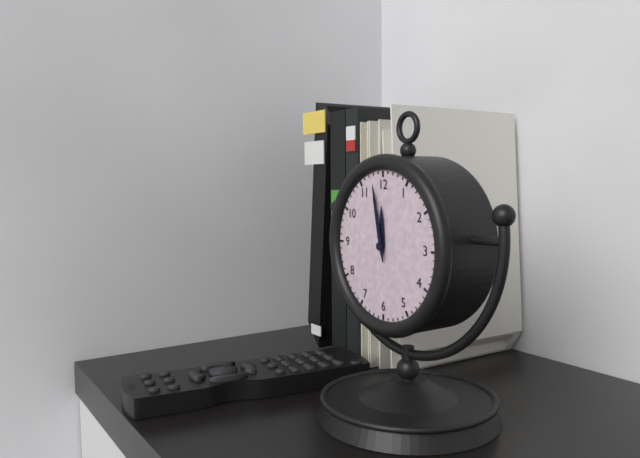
11.58
